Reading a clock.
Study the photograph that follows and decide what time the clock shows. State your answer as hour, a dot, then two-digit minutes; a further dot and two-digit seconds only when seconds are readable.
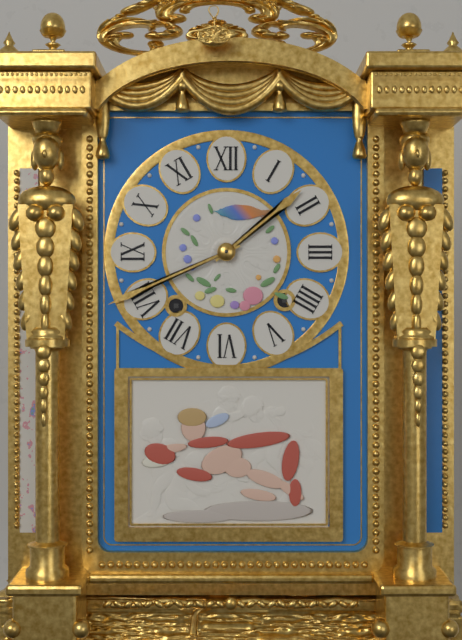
1.41
